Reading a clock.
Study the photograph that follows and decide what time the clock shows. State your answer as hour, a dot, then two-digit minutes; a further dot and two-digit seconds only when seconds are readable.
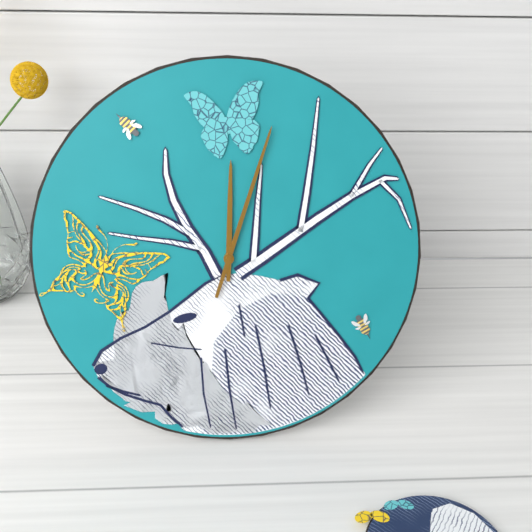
12.03
